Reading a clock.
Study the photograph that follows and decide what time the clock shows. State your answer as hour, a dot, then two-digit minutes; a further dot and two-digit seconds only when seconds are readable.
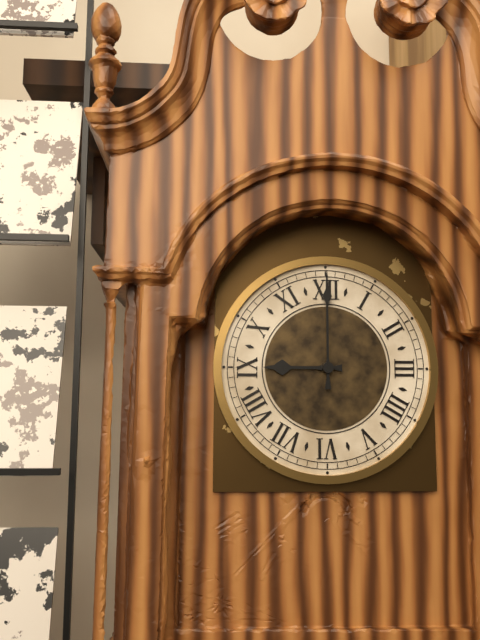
9.00
